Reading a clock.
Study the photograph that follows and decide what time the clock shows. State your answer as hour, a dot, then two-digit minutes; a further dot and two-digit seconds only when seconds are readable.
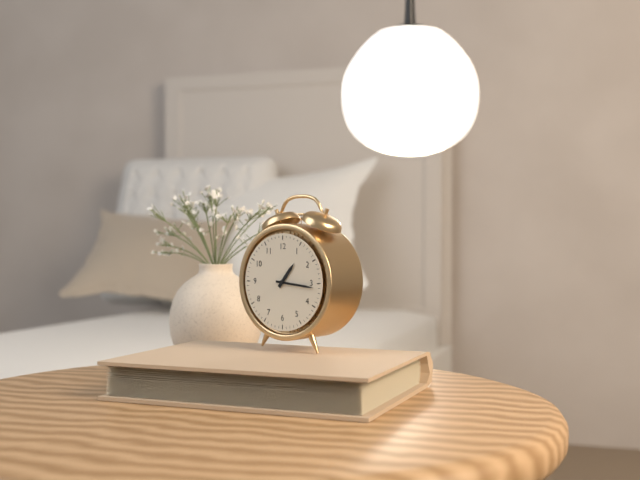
1.16
